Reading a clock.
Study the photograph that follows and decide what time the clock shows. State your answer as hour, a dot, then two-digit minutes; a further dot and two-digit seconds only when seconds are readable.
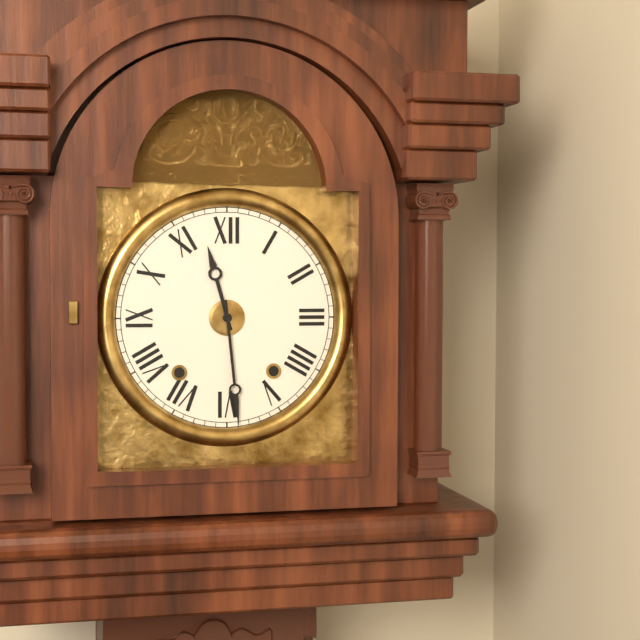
11.29
